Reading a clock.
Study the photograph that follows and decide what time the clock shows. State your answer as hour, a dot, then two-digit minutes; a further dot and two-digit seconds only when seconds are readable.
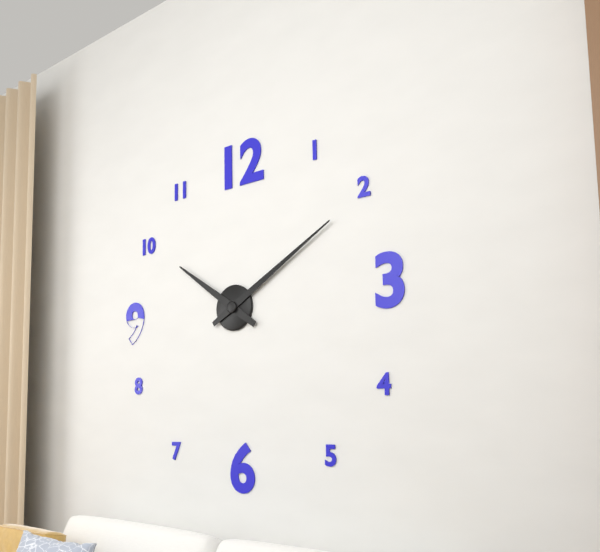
10.10
